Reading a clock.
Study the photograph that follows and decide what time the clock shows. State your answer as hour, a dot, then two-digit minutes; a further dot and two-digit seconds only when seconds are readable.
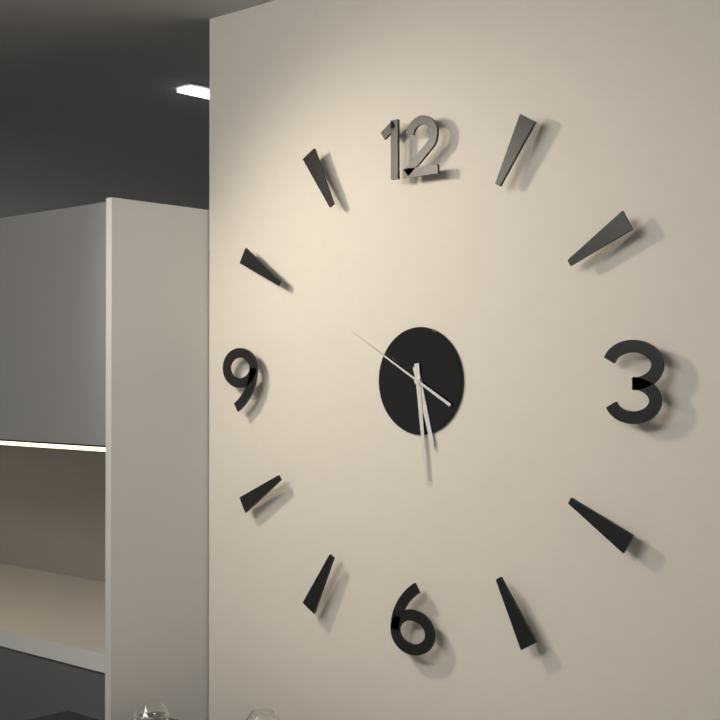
5.29.50
